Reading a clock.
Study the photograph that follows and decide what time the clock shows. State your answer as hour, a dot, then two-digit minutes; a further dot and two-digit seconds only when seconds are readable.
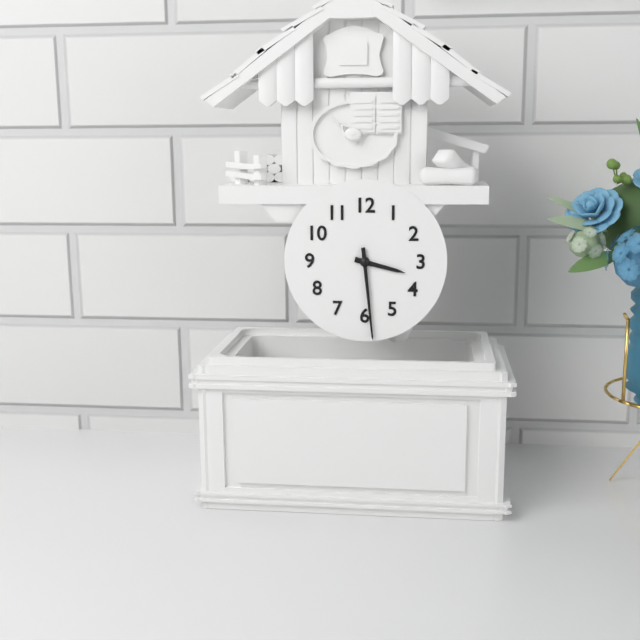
3.29
